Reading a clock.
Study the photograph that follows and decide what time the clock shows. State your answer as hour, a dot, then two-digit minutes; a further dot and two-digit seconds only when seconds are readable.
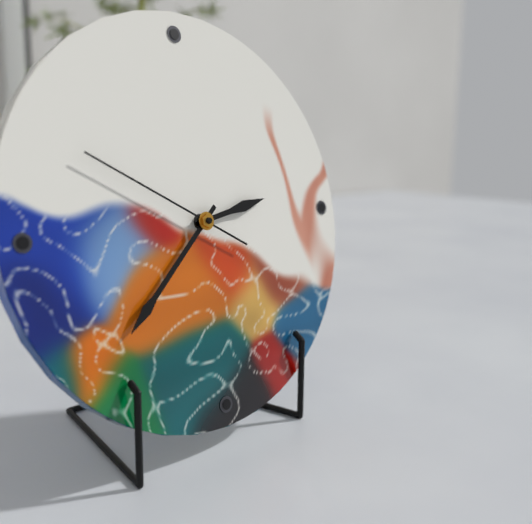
2.38.50
